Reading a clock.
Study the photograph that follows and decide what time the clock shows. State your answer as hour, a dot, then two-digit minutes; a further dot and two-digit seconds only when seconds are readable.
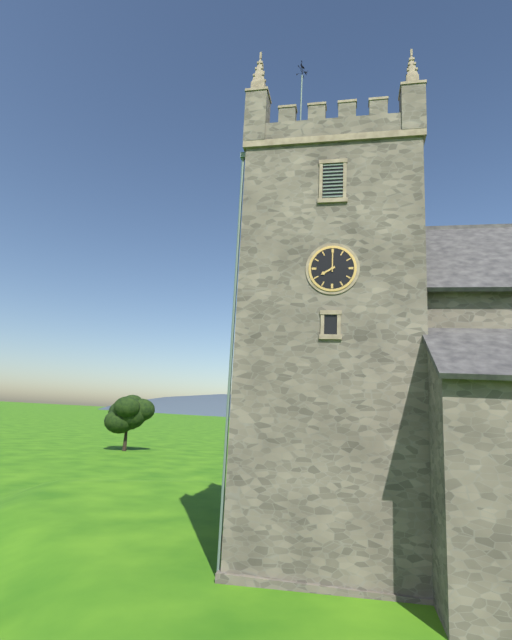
8.00
